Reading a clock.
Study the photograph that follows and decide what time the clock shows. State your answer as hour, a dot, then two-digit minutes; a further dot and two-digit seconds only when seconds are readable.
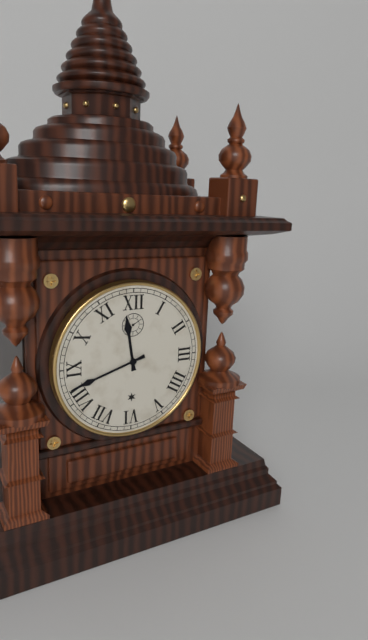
11.42
